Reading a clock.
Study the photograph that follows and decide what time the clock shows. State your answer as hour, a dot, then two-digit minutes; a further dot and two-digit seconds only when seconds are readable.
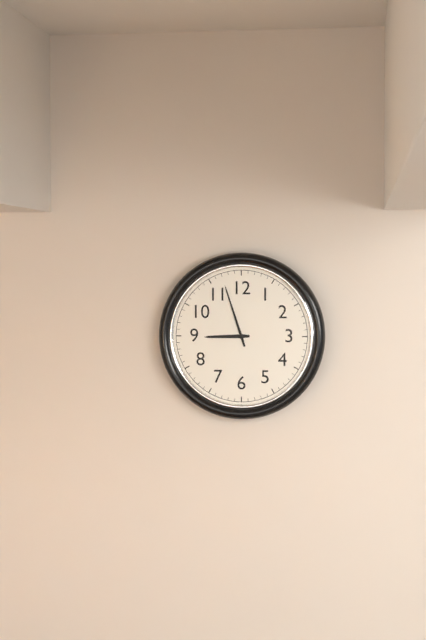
8.57
